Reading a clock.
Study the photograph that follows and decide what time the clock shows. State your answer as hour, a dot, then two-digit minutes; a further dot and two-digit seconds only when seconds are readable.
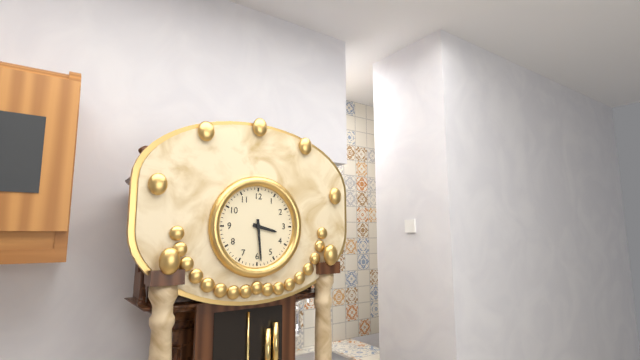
3.29
